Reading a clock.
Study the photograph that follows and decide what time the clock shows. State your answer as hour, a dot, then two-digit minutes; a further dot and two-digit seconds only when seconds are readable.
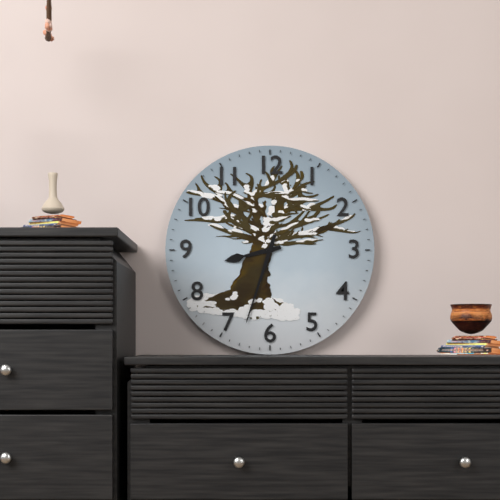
8.33
